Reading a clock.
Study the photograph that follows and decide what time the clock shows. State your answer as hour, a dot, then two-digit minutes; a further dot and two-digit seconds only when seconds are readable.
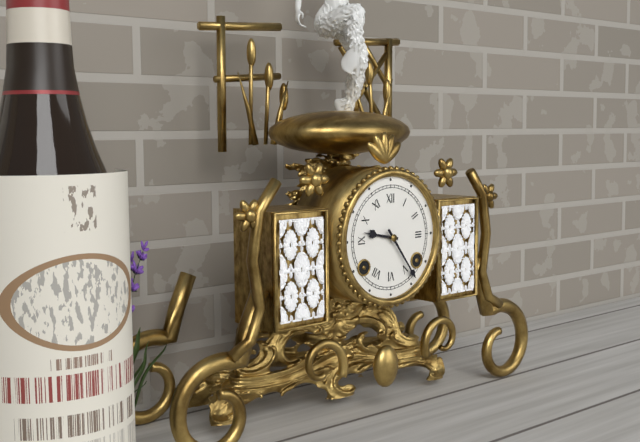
9.24
